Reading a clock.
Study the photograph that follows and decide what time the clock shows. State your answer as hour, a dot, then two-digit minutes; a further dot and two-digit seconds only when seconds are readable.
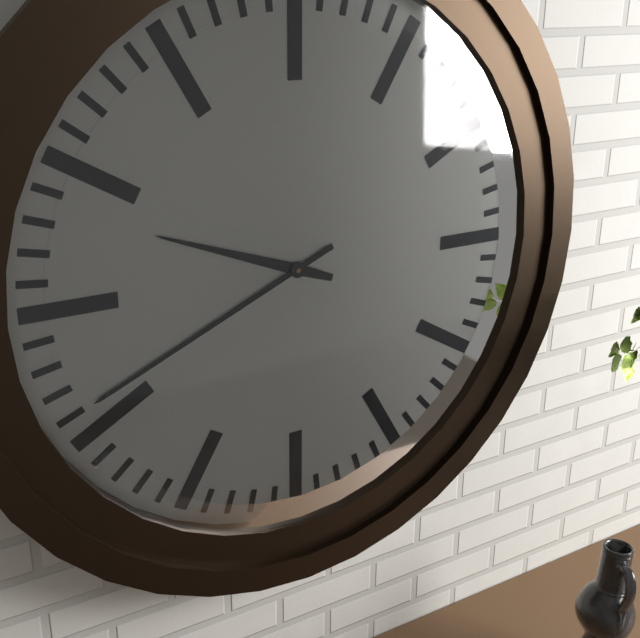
9.41
